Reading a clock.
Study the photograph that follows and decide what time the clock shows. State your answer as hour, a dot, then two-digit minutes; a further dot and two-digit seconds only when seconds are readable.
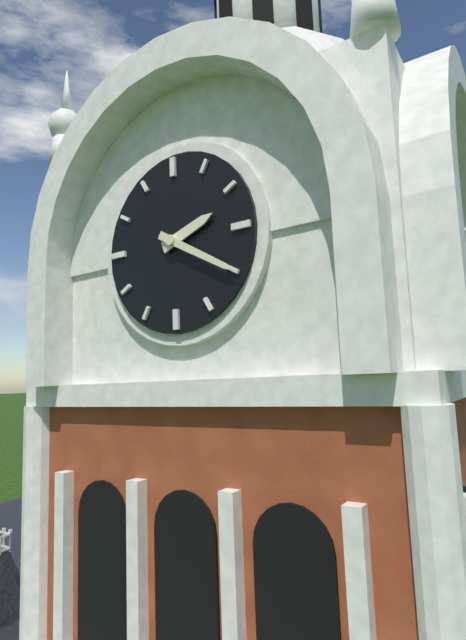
2.20
